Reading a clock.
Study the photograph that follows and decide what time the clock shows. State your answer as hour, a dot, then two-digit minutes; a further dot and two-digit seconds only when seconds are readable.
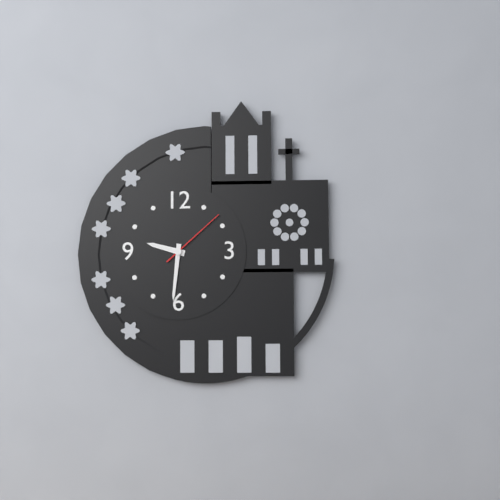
9.31.08
